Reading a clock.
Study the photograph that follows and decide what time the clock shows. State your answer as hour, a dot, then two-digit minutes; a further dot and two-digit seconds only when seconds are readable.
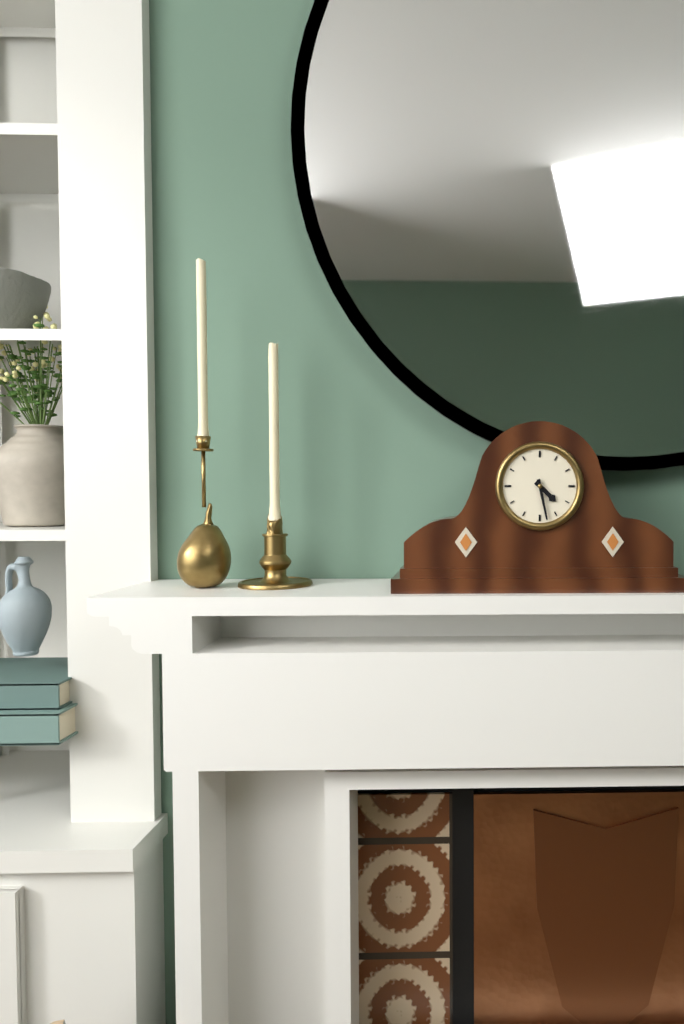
4.28
